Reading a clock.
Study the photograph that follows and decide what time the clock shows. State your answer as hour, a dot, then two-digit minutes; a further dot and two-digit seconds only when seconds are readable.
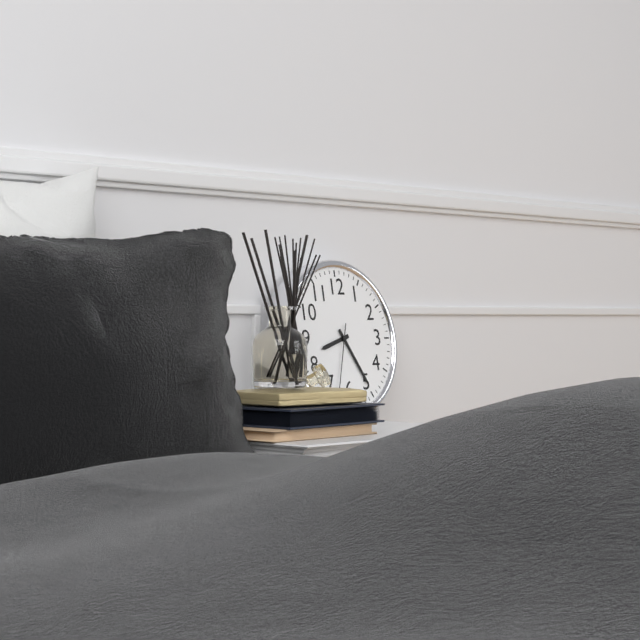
8.25.33
